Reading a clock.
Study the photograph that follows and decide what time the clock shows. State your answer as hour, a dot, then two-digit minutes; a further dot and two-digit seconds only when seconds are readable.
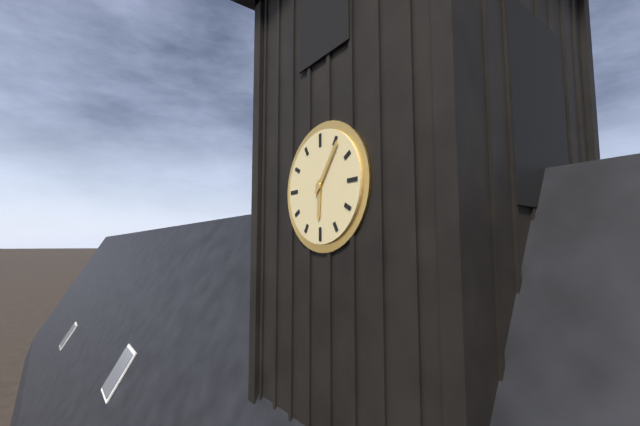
6.06
